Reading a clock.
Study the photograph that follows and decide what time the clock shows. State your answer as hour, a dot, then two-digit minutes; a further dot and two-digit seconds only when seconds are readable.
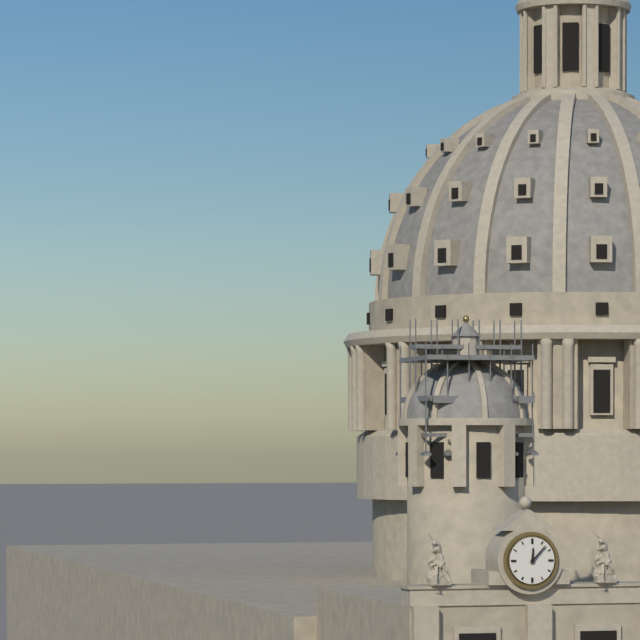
12.07
